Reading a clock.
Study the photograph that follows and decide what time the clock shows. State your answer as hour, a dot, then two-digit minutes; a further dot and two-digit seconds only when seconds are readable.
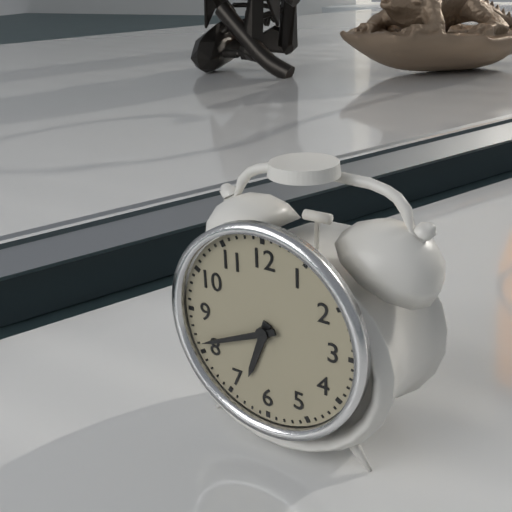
6.41
